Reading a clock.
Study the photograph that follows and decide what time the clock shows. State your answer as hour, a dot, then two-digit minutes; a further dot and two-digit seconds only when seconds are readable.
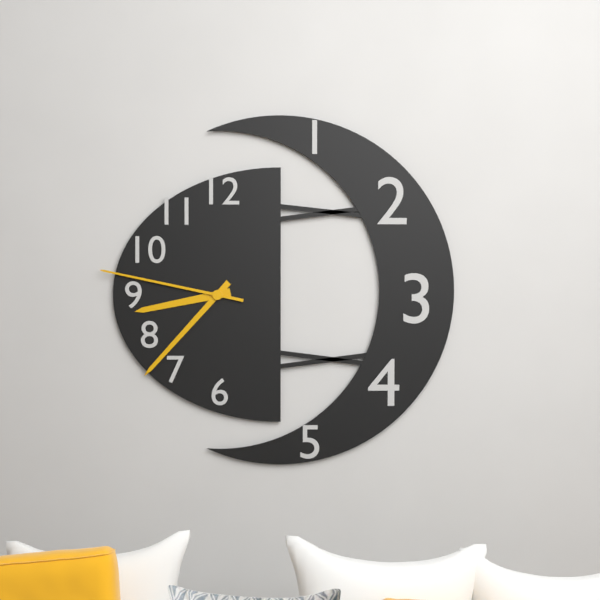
8.37.47
